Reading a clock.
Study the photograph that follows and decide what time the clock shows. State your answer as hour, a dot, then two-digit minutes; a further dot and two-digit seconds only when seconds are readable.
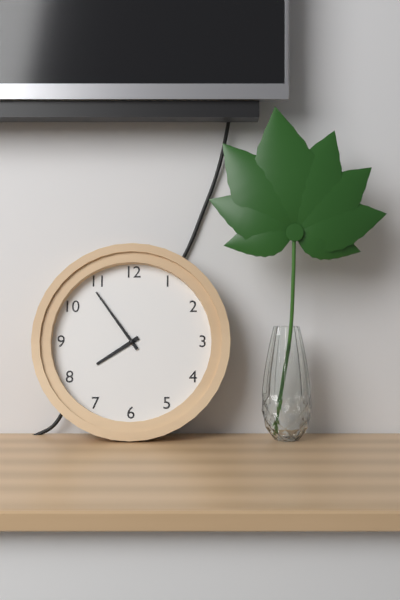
7.54
